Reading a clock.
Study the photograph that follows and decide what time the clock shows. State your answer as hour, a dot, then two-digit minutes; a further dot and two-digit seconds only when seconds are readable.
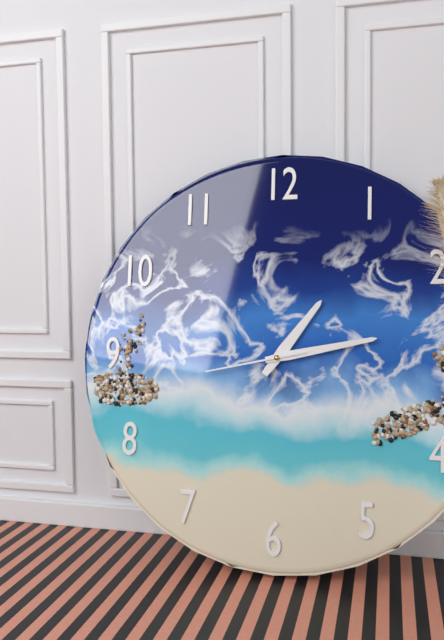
1.13.43
